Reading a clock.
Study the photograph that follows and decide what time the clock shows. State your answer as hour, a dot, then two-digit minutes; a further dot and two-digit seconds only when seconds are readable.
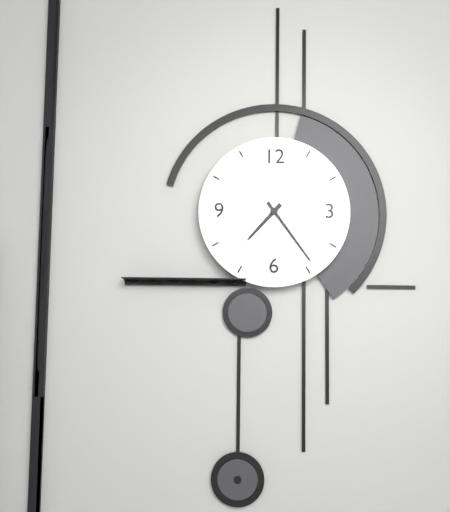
7.24
